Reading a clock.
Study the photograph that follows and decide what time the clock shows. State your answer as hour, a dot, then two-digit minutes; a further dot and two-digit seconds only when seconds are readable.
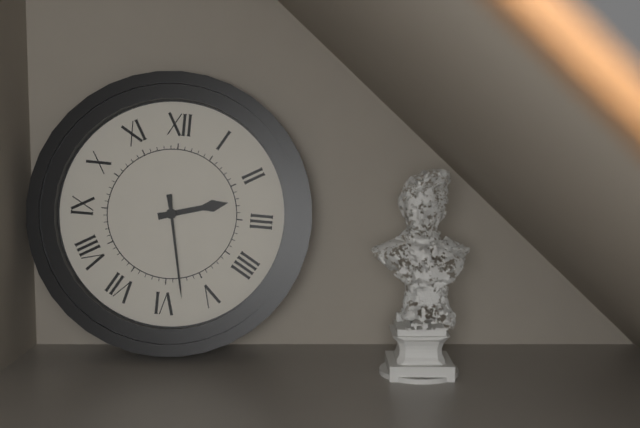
2.28
